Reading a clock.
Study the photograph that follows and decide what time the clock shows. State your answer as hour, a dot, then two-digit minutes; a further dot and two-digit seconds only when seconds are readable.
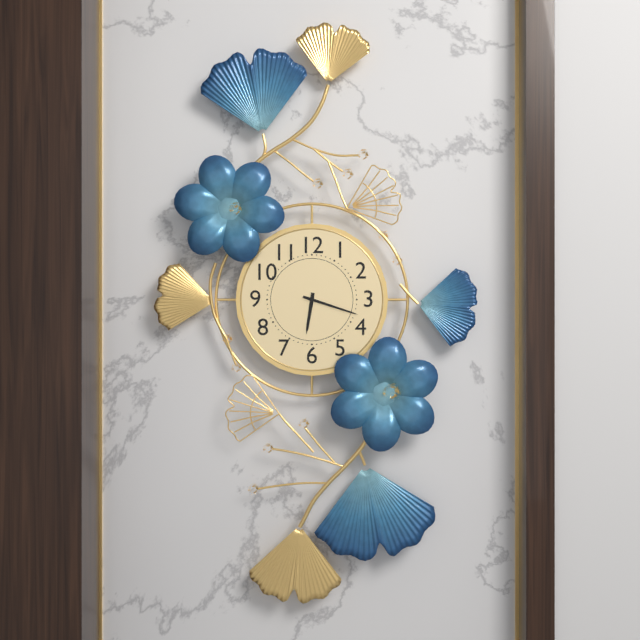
6.18
